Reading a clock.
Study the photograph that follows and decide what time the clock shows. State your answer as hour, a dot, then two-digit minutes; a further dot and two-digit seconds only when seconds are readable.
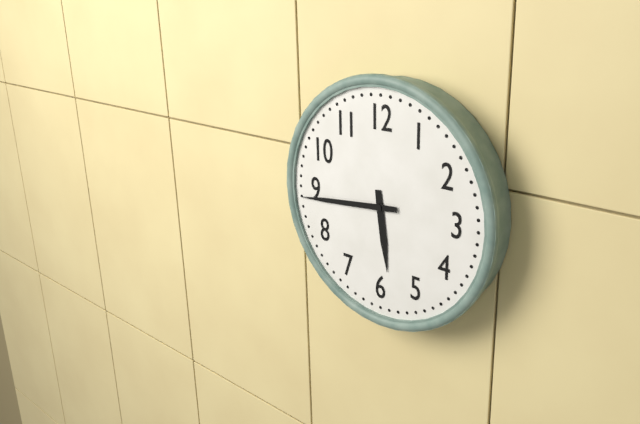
5.44
